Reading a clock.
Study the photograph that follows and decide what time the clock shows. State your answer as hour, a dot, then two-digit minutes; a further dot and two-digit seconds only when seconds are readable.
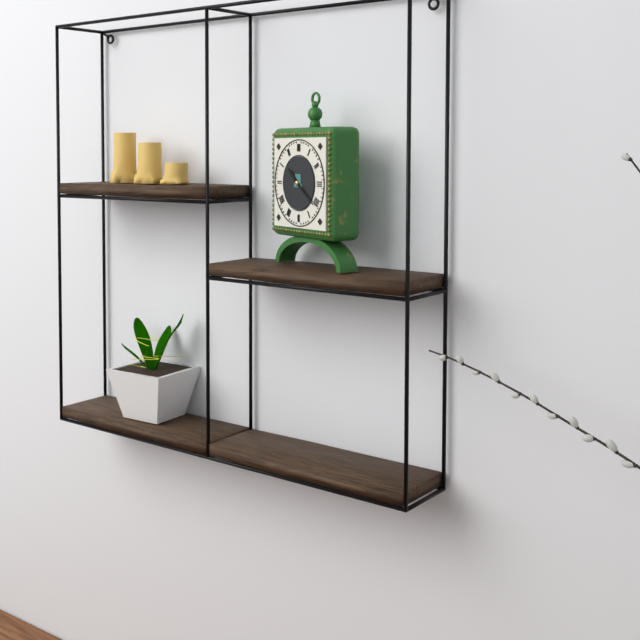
10.21
